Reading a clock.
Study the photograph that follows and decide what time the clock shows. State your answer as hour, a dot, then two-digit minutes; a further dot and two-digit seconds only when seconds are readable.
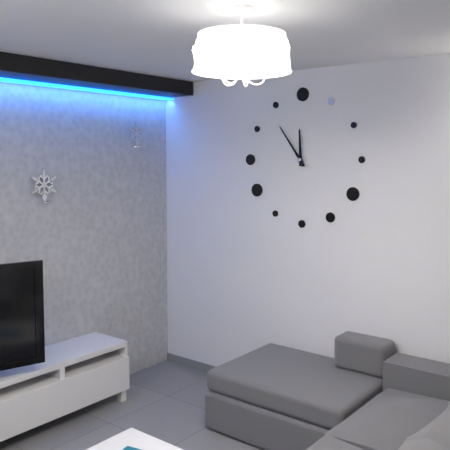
11.54
